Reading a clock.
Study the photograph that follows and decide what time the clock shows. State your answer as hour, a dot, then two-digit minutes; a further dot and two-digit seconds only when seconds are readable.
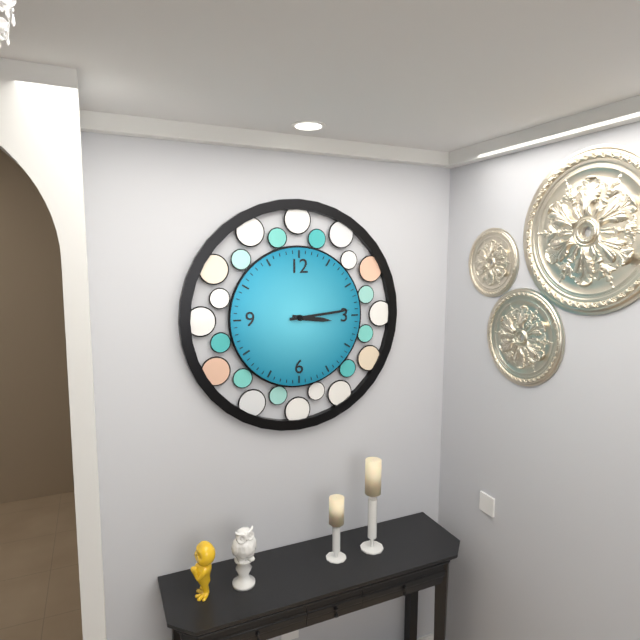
3.14
